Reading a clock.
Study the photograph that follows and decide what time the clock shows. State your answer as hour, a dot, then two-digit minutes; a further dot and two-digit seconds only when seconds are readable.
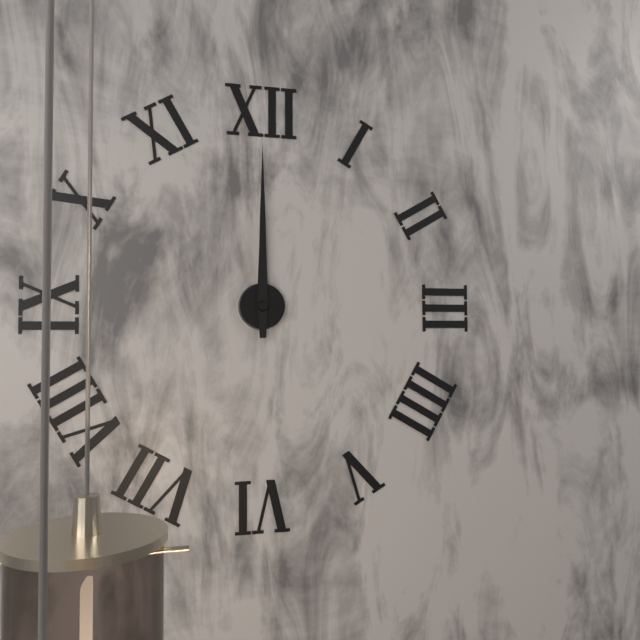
12.00
